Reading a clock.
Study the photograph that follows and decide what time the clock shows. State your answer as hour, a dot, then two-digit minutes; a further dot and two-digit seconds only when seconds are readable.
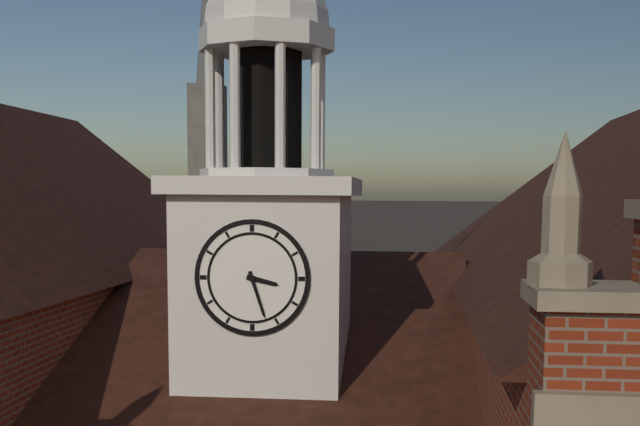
3.27
